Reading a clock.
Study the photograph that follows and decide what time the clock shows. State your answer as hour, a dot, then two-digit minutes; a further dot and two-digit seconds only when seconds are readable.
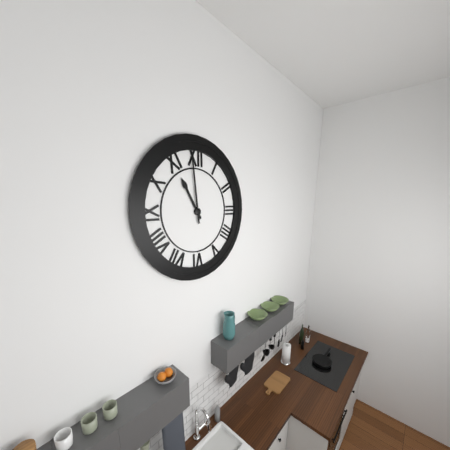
10.59
